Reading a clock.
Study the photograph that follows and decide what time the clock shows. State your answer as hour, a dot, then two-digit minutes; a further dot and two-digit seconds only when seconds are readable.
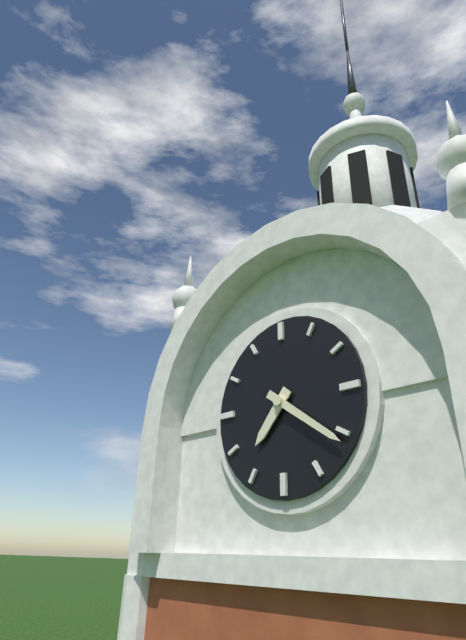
7.21
